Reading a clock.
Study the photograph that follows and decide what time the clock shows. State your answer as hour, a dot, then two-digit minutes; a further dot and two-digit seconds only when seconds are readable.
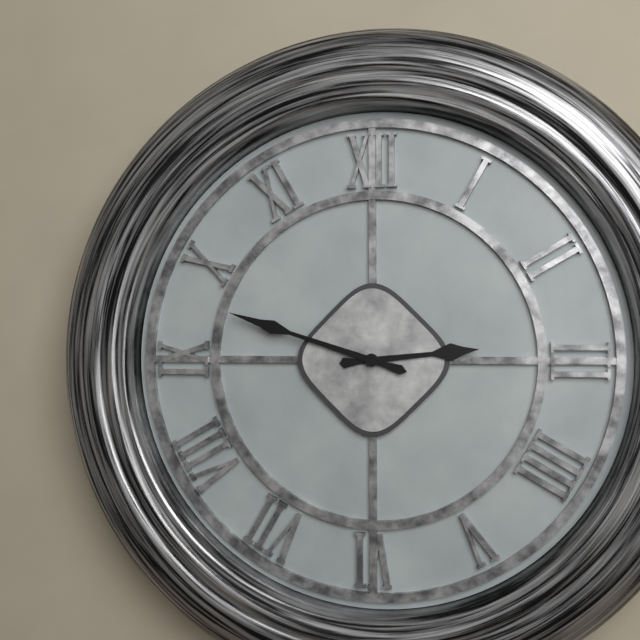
2.48
